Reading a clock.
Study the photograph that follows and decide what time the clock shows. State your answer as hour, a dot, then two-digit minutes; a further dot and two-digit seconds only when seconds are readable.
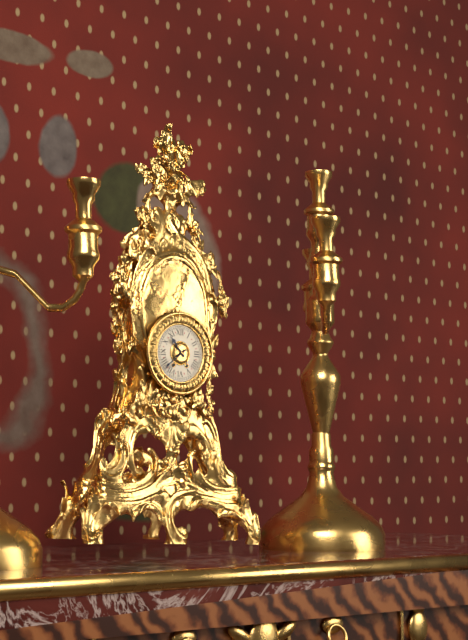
10.39
